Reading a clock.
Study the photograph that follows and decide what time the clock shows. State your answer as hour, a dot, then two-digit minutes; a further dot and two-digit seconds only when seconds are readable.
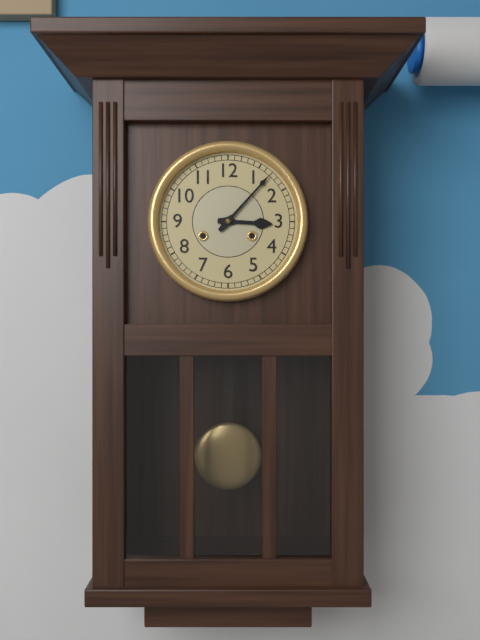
3.07
